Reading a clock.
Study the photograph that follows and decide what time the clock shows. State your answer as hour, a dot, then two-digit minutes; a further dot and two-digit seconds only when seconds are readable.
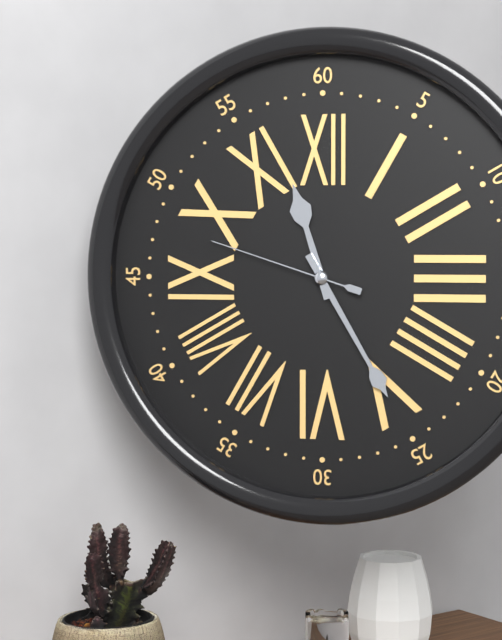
11.25.48
